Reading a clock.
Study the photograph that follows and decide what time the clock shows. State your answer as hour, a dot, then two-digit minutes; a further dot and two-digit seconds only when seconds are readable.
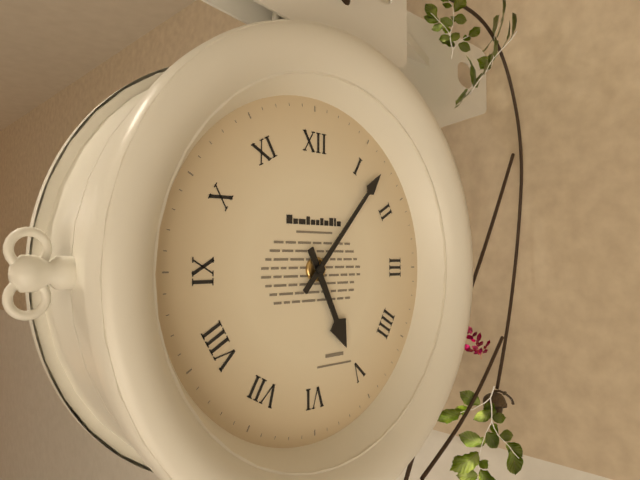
5.07
